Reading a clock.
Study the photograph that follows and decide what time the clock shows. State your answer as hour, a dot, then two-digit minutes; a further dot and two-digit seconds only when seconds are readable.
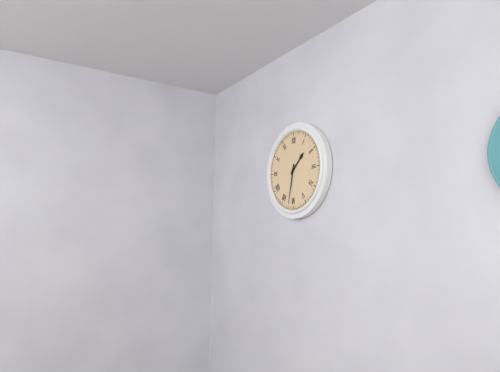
1.32
